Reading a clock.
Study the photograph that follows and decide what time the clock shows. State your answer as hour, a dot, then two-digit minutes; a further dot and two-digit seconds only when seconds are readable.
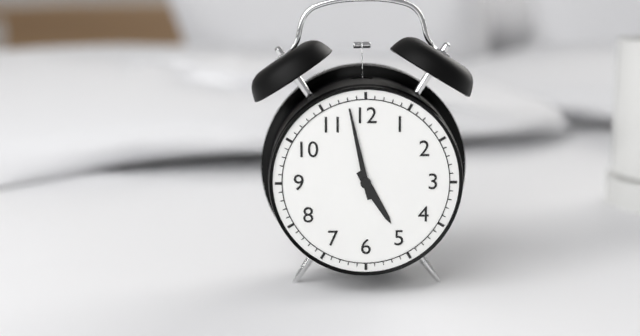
4.58
